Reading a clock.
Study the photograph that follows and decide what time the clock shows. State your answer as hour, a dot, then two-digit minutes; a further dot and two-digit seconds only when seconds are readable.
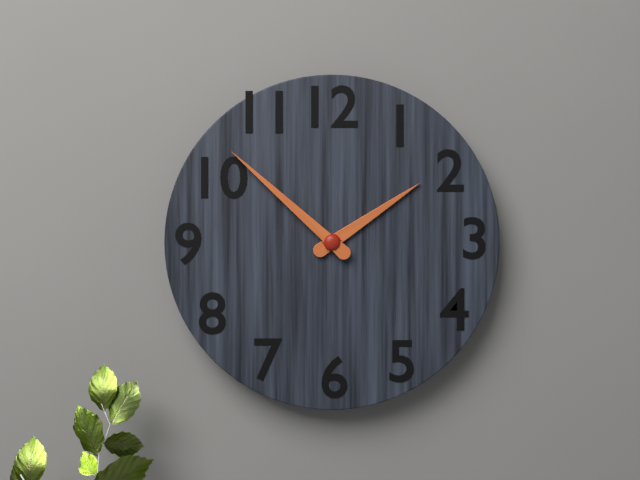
1.52
